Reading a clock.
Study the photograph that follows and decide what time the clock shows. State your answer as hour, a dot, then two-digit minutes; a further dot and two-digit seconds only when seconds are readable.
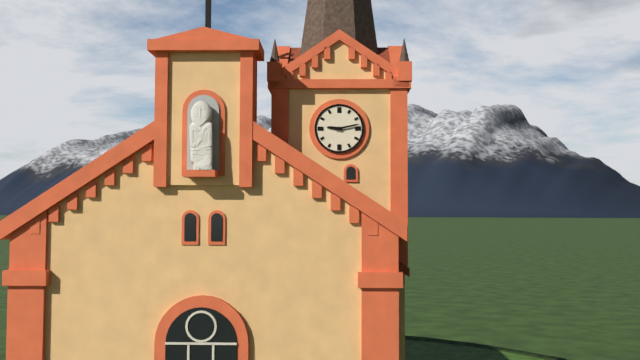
9.13
